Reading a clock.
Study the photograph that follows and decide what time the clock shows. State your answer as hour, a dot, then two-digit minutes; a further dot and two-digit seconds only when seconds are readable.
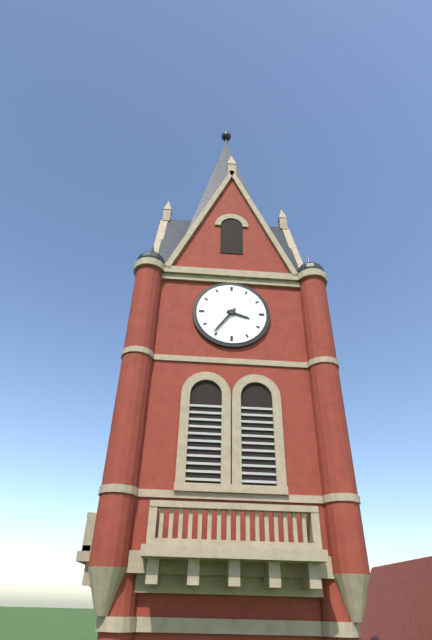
3.36
